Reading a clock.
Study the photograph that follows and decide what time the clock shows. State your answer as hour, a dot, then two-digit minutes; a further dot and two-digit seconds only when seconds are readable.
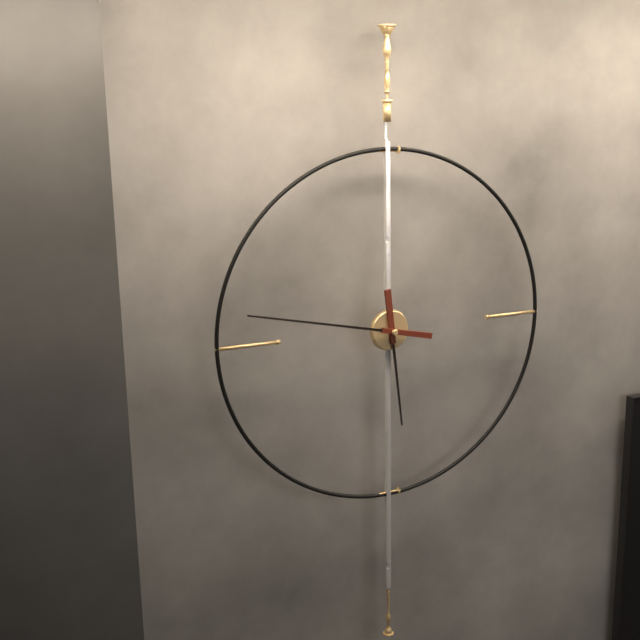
5.47
